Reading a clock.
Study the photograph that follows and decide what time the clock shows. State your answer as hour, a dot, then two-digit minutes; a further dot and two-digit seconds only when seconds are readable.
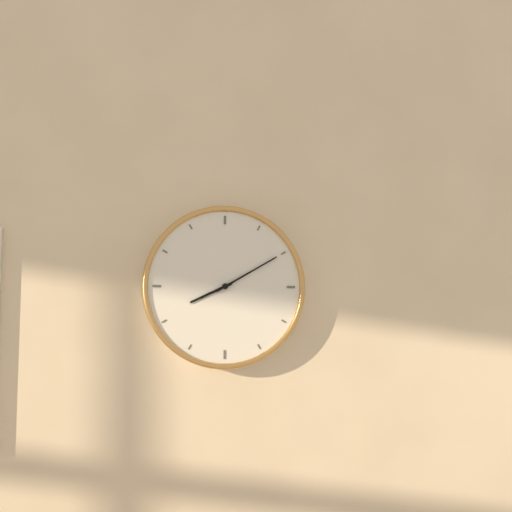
8.10
